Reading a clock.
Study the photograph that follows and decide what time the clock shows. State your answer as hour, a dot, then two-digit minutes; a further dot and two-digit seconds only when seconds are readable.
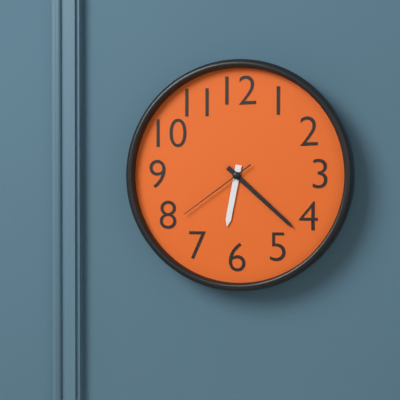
6.22.39
